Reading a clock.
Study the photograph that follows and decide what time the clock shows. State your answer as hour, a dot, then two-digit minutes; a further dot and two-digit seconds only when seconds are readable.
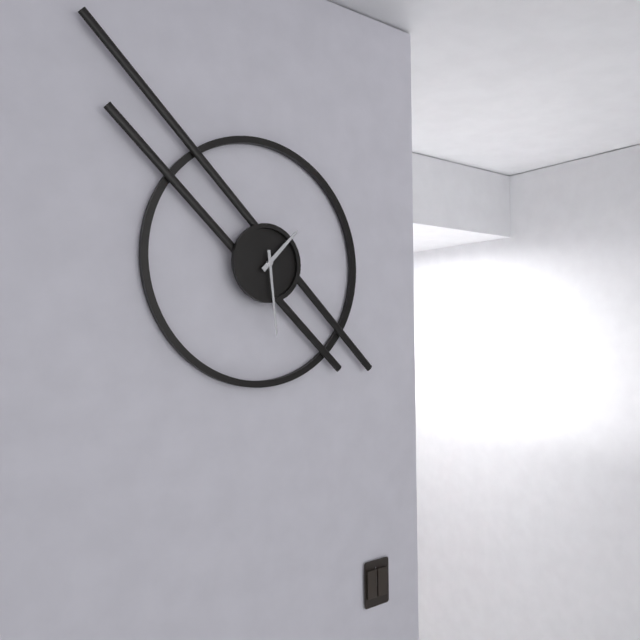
1.29
